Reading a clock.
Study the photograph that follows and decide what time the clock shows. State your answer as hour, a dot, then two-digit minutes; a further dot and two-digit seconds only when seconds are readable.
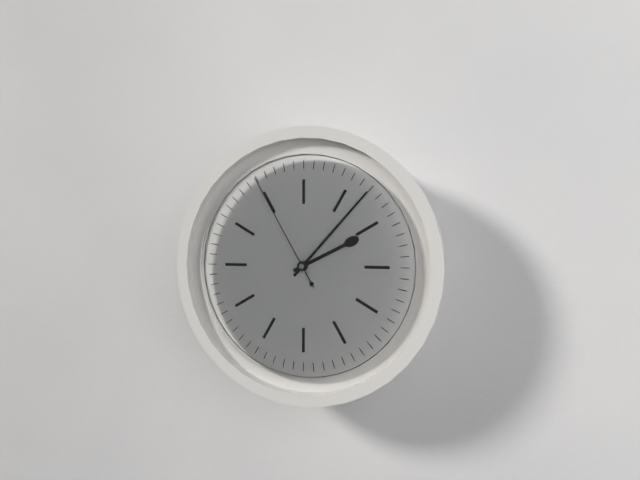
2.07.55
